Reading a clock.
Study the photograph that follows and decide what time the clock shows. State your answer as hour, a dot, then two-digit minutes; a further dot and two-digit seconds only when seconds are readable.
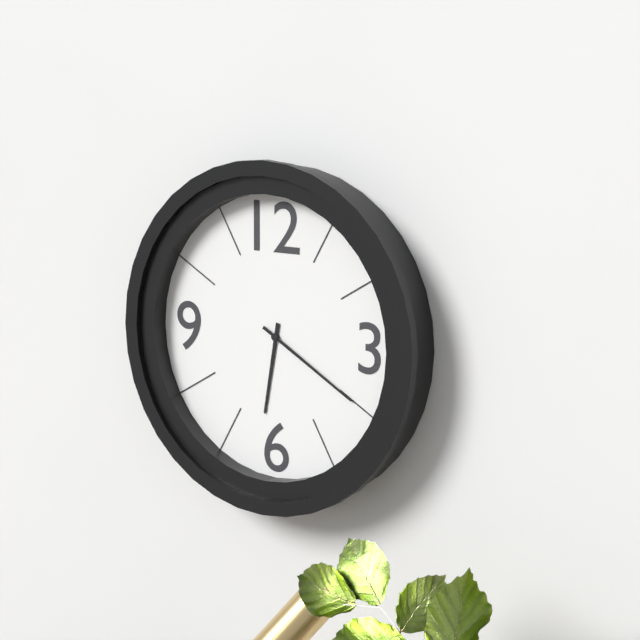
6.20
